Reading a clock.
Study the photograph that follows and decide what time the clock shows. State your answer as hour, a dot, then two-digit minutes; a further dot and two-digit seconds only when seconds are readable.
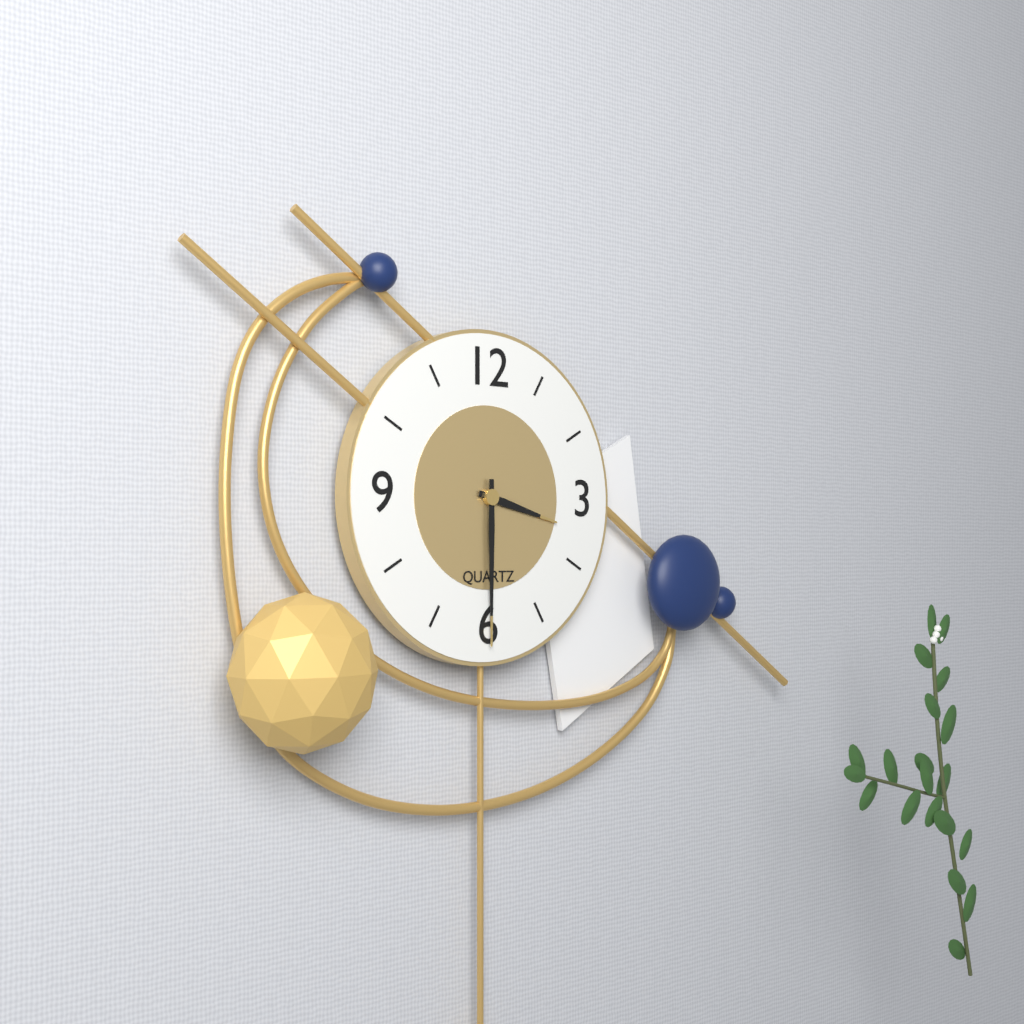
3.30
